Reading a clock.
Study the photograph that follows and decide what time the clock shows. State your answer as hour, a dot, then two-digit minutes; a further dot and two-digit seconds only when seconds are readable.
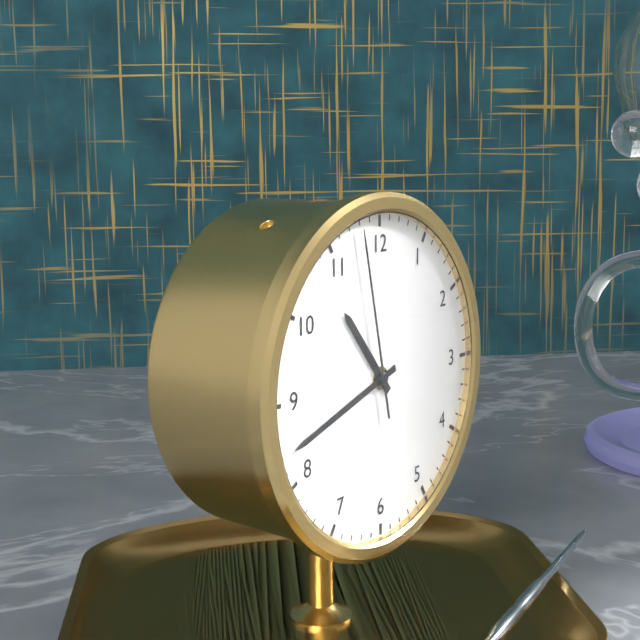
10.42.58
